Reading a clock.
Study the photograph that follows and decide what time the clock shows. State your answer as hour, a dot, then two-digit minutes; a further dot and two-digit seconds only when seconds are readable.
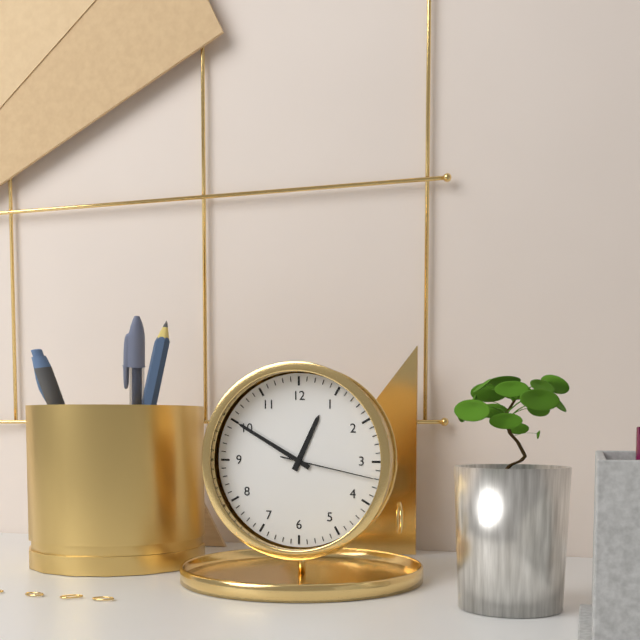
12.50.17
